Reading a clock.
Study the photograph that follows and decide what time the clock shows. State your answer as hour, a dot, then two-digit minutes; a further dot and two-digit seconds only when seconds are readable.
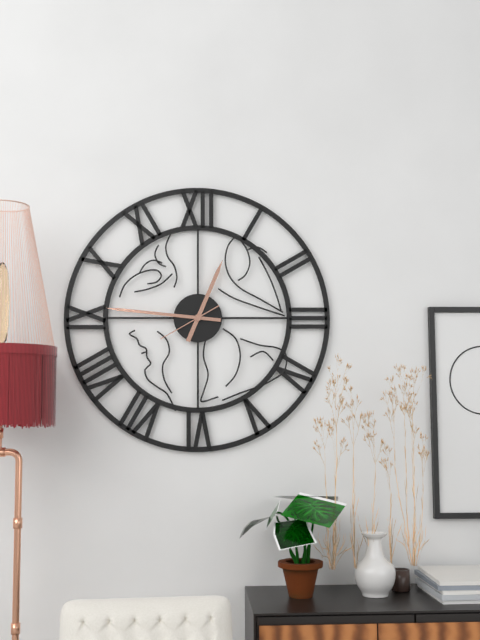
12.46.40
